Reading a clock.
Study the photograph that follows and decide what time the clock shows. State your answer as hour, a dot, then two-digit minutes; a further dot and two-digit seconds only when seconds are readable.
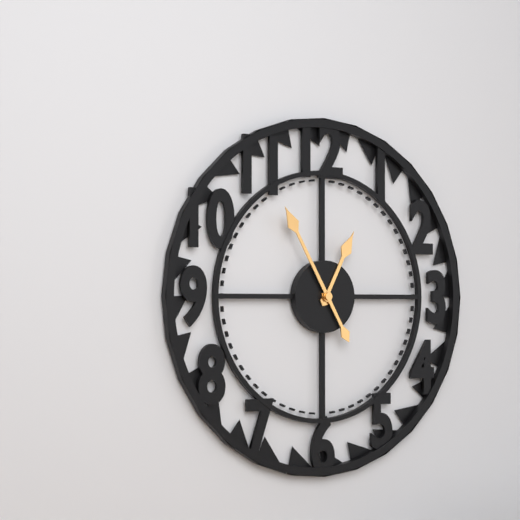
12.55
